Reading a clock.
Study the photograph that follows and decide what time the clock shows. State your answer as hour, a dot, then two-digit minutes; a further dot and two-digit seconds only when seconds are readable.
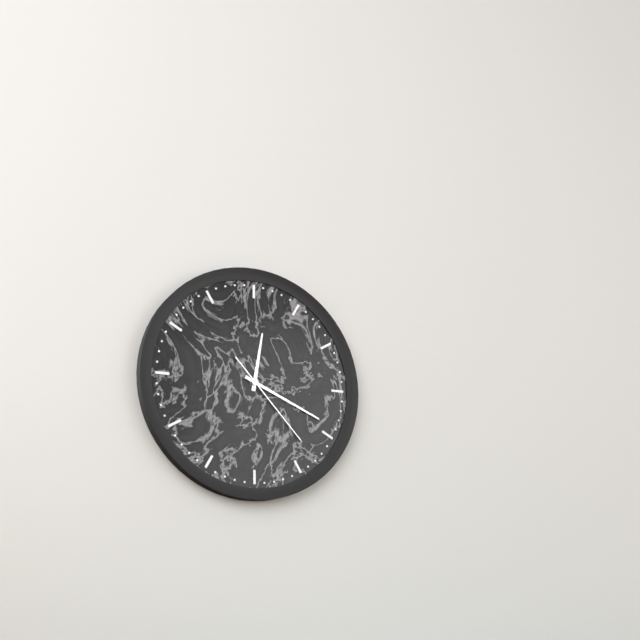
12.19.23
